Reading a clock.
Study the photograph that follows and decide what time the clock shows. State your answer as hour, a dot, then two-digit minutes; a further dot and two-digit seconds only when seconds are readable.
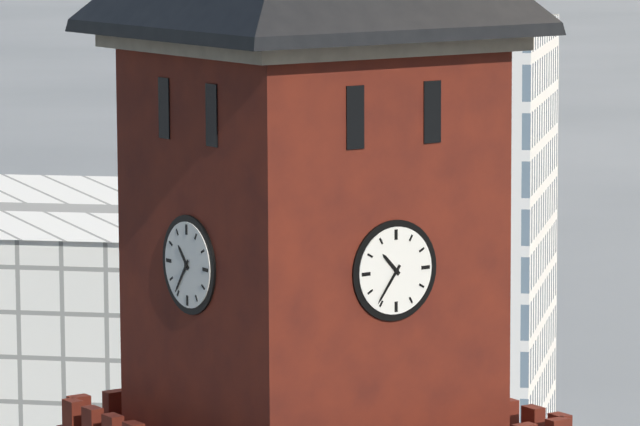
10.36
